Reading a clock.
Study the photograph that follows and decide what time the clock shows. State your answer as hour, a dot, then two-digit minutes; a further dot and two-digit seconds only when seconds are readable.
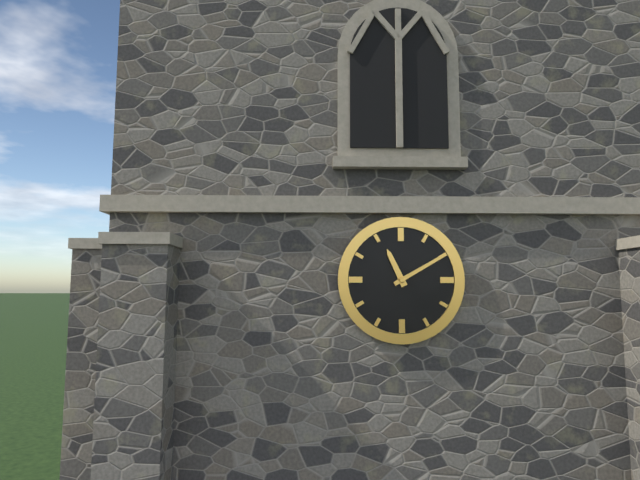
11.10
